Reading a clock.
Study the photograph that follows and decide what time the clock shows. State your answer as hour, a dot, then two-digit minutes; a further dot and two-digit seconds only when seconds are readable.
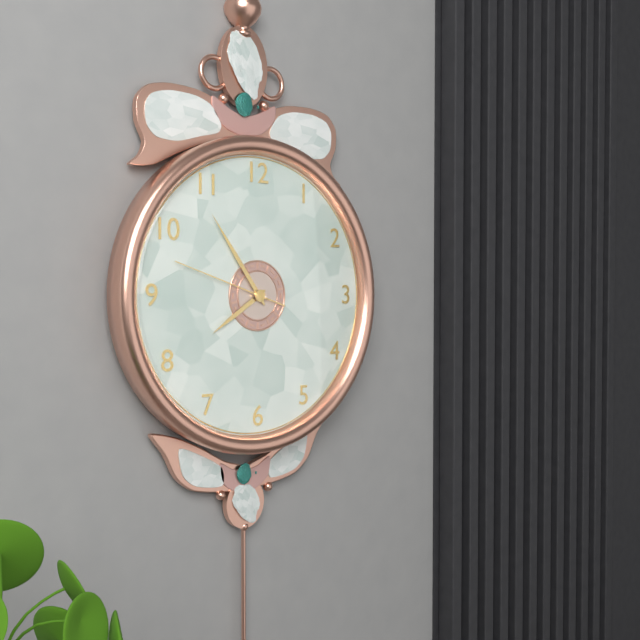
7.54.48
